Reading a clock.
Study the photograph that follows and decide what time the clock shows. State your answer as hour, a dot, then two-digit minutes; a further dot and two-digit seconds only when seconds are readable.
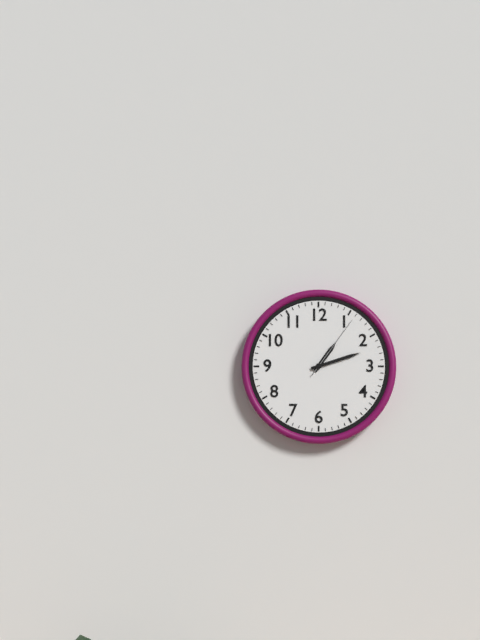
1.12.06
